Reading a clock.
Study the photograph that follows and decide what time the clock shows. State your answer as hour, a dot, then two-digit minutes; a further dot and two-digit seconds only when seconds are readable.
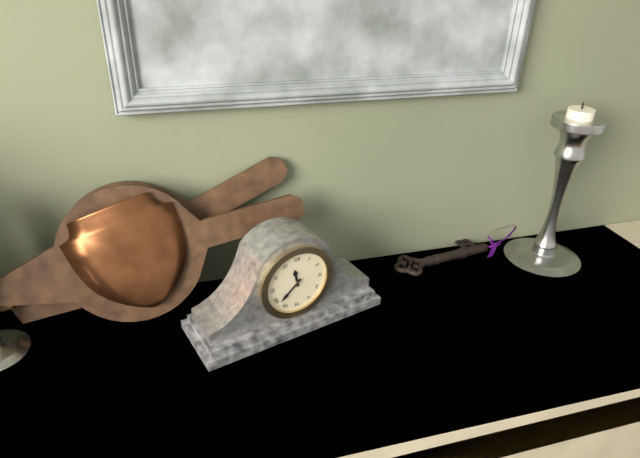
11.38
